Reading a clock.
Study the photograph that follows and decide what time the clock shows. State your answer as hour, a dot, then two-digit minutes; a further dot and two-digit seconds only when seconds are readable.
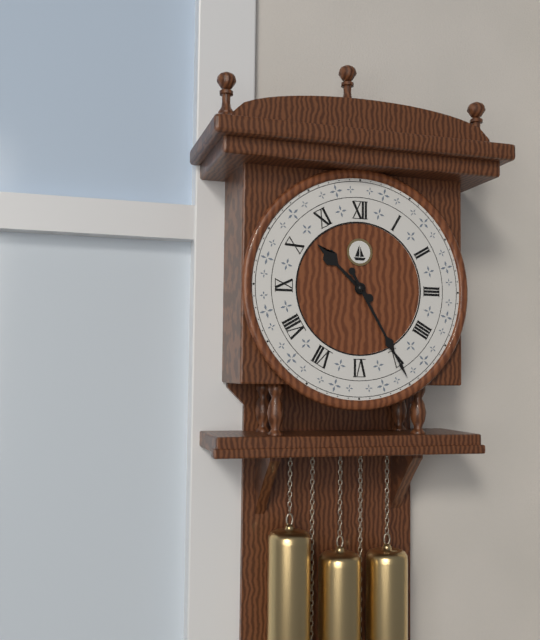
10.25
